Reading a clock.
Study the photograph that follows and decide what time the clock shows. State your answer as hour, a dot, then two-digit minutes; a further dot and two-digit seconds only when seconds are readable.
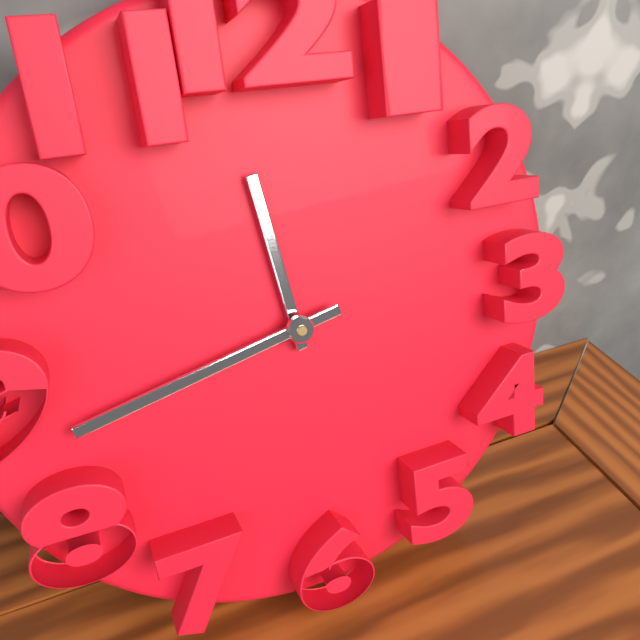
11.43
